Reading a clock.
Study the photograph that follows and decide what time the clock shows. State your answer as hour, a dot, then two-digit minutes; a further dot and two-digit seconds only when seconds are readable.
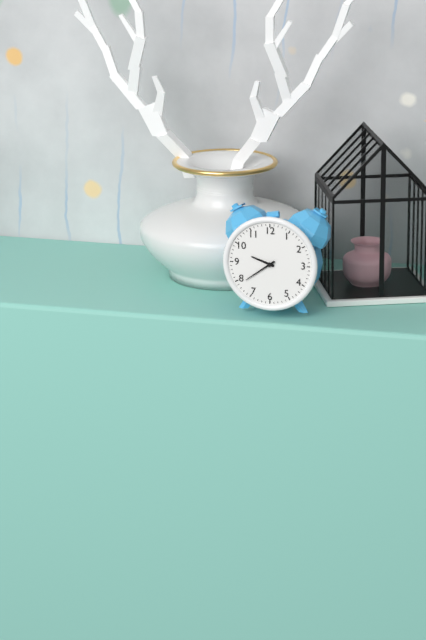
9.39
